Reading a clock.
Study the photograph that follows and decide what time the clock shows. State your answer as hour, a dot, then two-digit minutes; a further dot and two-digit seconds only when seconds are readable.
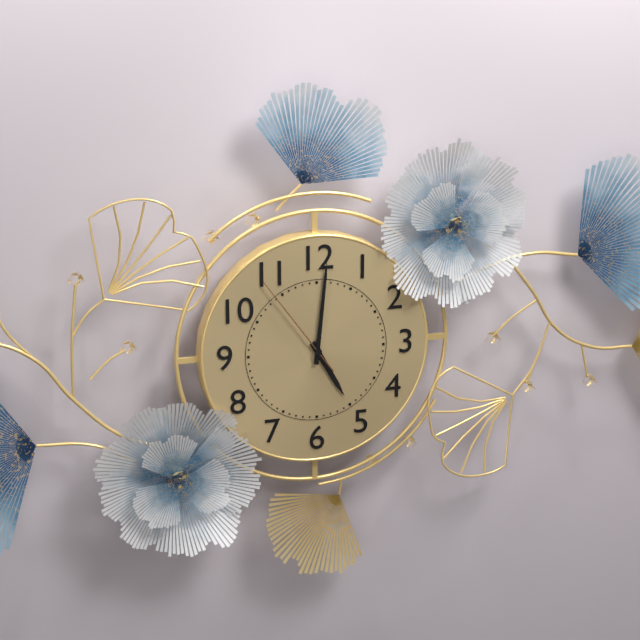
5.01.54
